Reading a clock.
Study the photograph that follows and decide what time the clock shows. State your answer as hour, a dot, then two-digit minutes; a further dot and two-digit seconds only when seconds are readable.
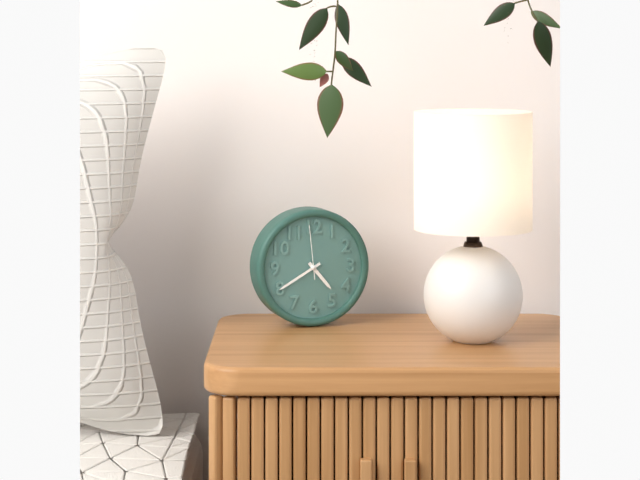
4.40.59
